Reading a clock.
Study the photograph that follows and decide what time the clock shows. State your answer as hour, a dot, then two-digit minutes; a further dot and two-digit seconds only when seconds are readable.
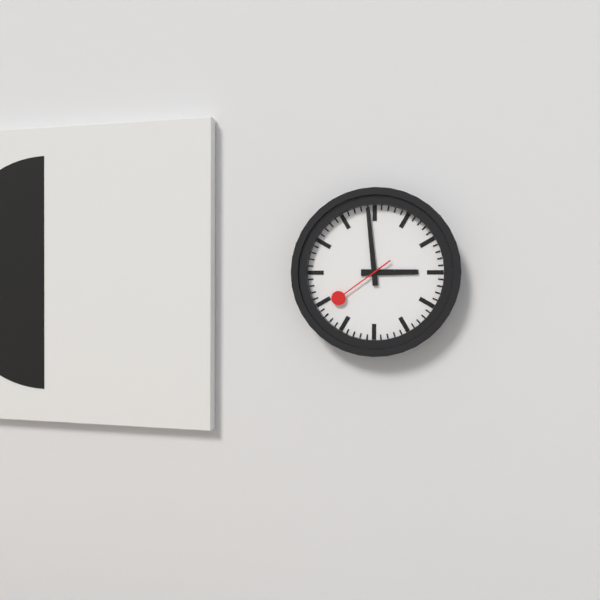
2.59.39
